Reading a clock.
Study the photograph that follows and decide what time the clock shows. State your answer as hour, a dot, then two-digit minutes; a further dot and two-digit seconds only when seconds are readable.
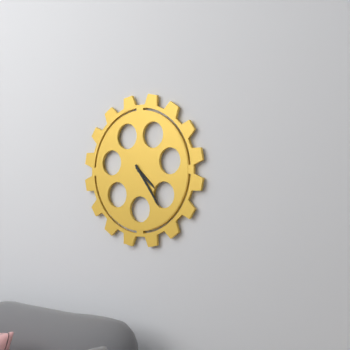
4.24
